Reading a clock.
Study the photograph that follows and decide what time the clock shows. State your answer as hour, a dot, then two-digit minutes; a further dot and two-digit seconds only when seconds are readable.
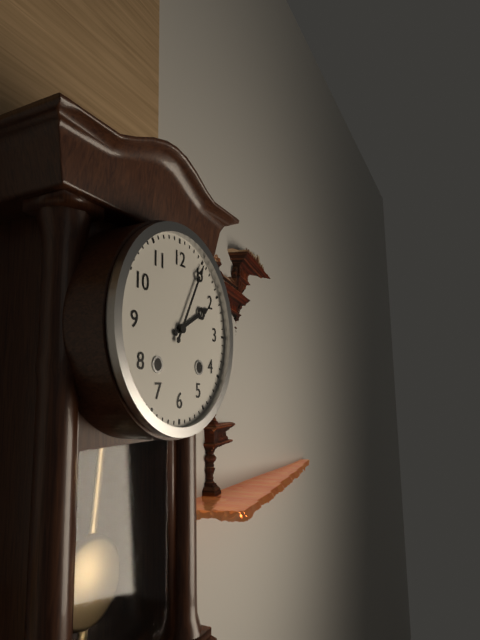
2.05
